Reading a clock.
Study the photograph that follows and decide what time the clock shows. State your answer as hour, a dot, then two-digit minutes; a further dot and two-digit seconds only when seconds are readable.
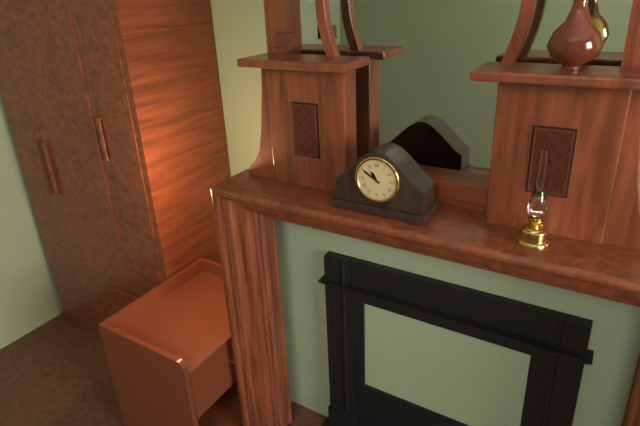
10.50
